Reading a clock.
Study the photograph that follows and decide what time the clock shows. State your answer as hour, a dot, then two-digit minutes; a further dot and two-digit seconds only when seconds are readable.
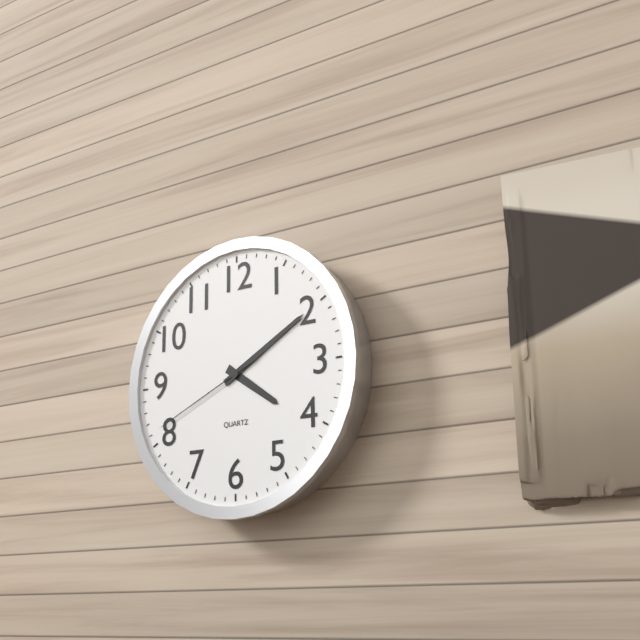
4.10.41
